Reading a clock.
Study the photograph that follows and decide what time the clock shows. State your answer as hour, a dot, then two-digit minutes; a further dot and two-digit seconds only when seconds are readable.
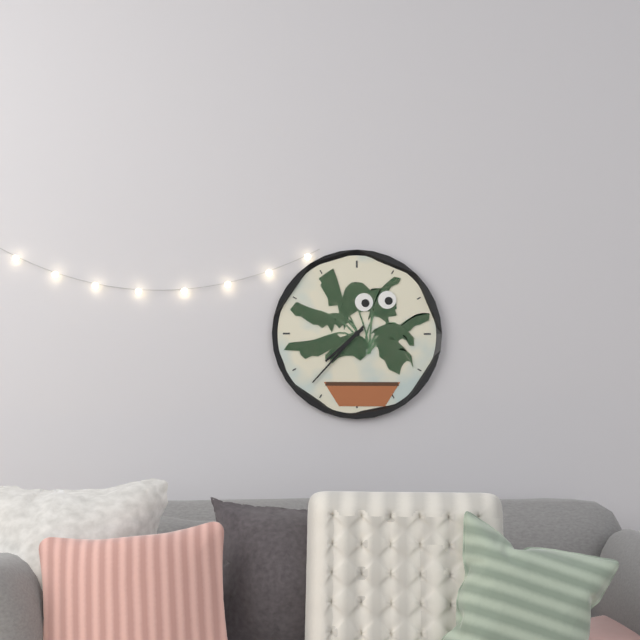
7.37
